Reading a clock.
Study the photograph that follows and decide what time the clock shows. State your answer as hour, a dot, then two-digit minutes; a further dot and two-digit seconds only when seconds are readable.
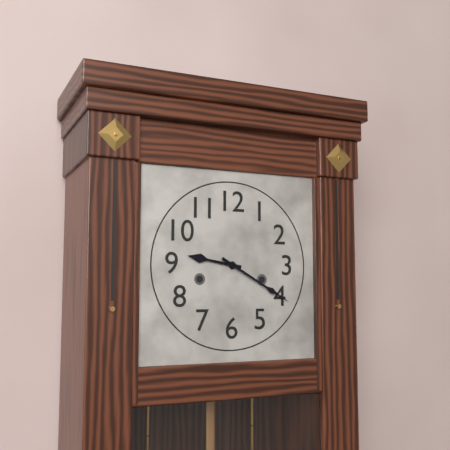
9.20
